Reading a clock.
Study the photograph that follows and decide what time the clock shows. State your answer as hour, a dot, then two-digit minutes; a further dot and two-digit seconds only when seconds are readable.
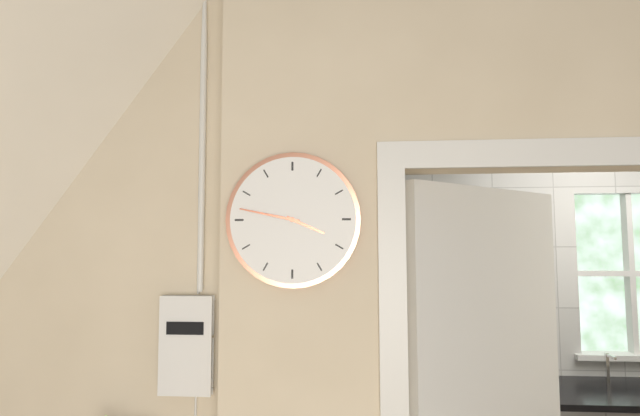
3.47
